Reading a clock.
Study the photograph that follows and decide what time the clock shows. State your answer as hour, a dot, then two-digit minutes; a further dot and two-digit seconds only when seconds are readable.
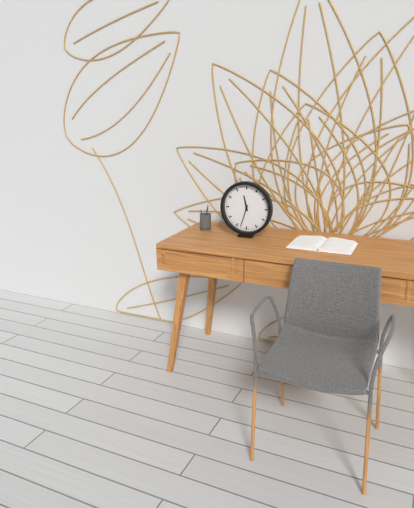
11.33
